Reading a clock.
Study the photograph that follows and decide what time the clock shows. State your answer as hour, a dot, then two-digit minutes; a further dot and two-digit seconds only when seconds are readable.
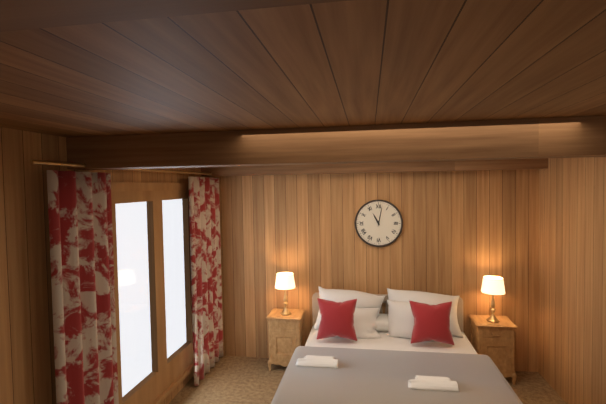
11.02
